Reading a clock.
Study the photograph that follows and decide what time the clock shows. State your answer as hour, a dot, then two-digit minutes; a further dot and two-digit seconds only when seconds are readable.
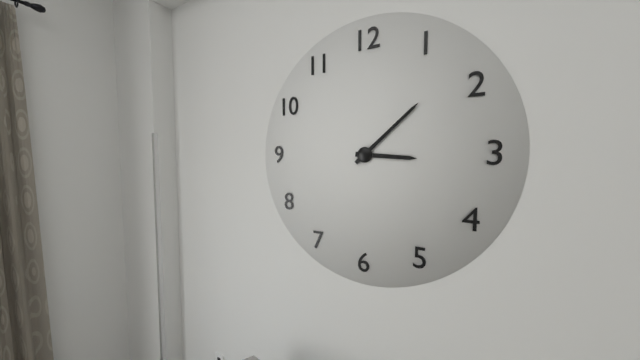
3.08
